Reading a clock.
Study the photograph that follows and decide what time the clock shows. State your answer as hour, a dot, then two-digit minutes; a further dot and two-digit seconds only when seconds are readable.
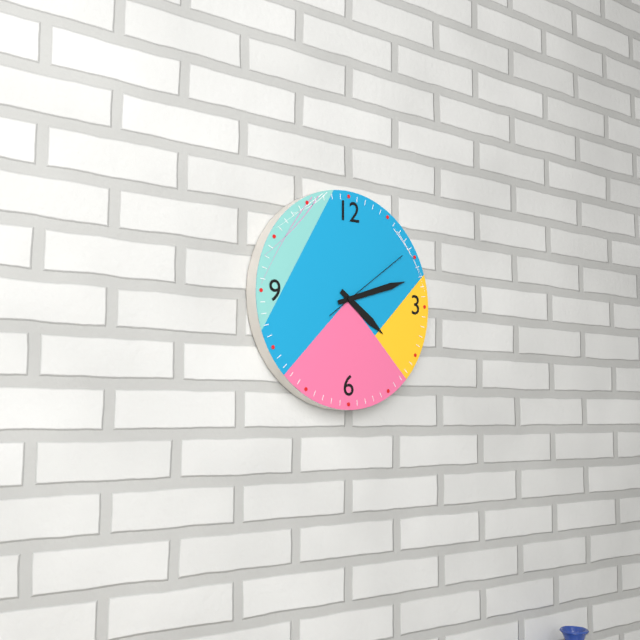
4.12.09
